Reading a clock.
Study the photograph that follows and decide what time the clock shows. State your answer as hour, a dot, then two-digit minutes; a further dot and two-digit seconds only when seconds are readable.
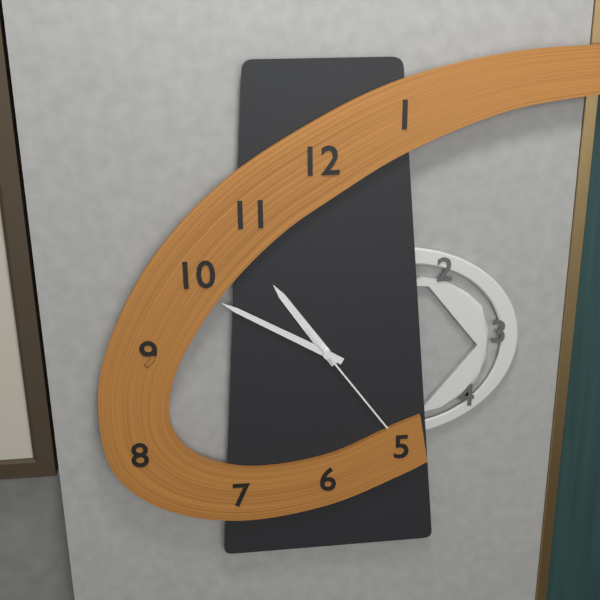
10.50.24
